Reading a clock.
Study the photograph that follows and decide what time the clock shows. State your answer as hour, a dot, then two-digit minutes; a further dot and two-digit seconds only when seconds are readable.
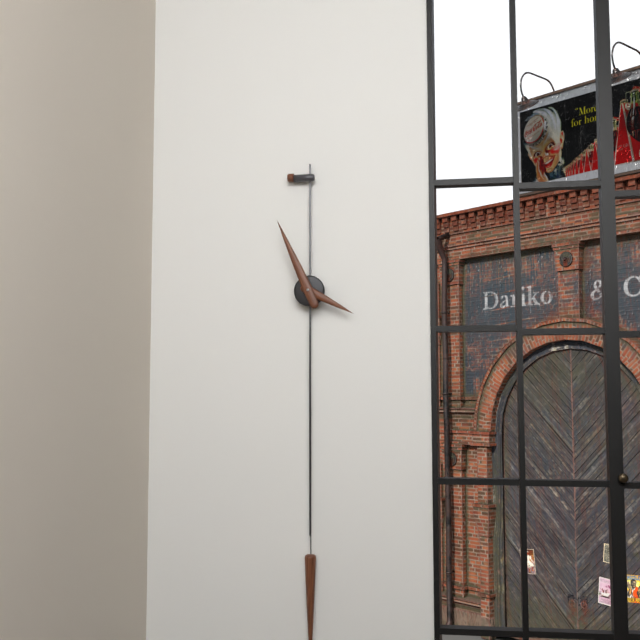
3.56
